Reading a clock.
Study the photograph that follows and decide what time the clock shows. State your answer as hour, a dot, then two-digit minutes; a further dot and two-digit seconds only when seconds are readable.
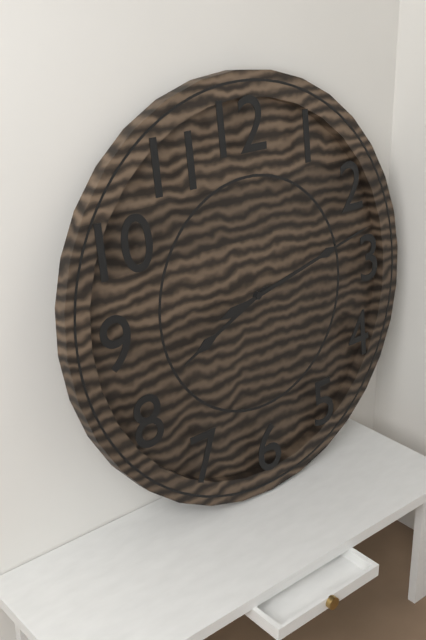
8.13
